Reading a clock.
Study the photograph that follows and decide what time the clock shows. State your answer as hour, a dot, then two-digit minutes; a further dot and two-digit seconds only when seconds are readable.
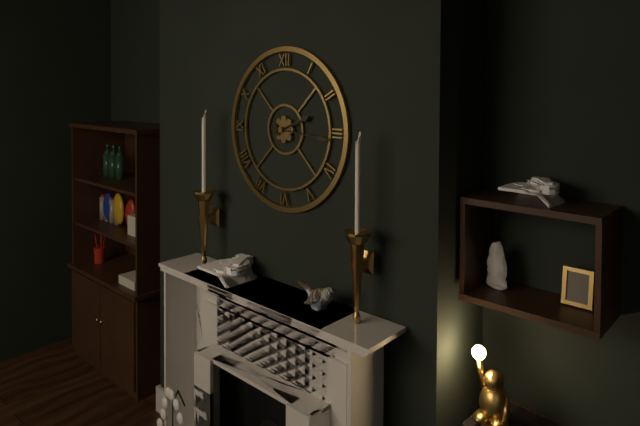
2.16
